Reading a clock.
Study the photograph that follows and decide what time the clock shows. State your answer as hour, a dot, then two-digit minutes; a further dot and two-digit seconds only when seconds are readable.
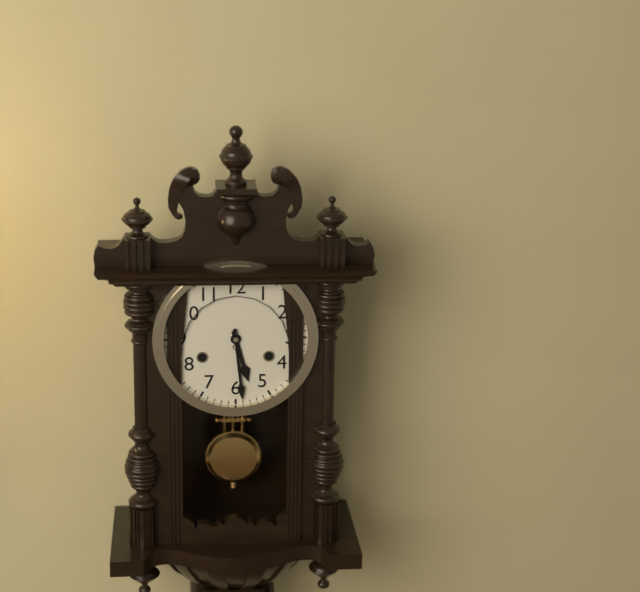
5.29
